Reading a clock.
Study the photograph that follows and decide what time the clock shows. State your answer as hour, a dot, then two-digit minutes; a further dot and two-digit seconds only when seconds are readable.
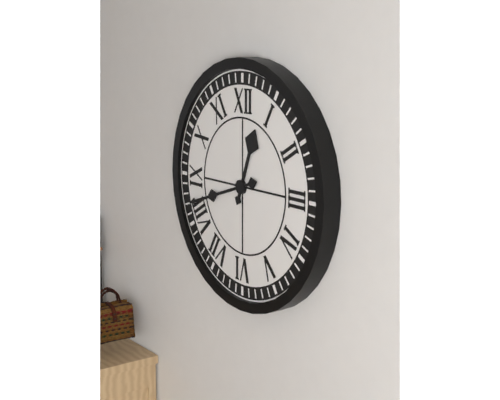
12.42
